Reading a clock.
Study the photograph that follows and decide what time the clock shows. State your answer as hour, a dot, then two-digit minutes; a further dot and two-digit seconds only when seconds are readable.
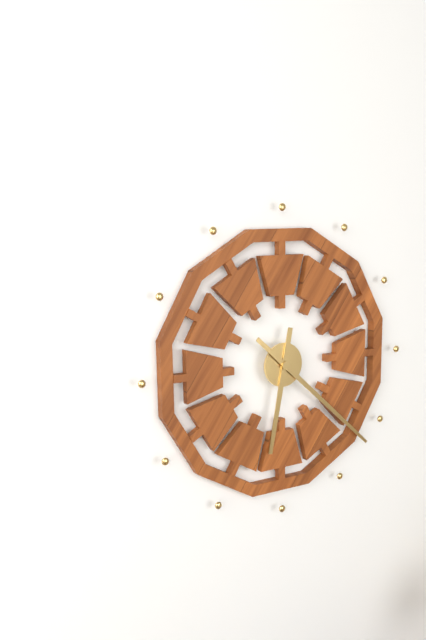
6.22
